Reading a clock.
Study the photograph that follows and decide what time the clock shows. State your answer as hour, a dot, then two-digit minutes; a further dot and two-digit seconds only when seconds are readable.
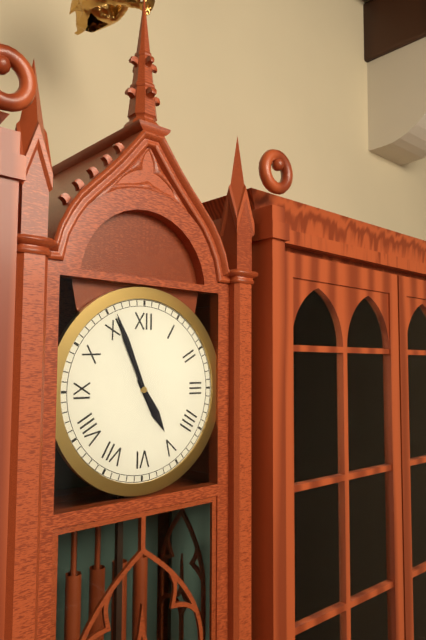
4.56
